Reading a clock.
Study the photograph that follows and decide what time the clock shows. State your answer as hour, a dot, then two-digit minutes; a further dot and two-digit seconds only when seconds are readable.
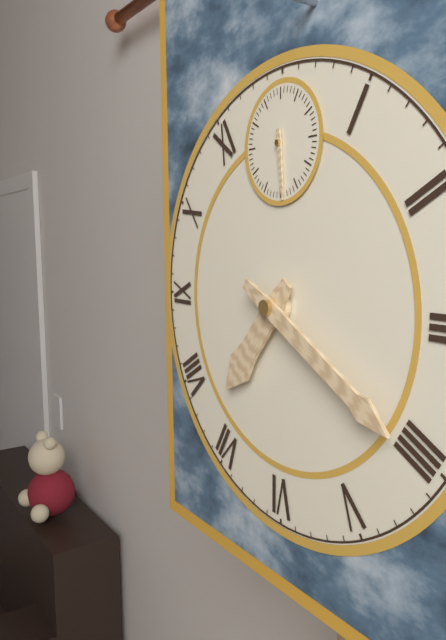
7.20.29
